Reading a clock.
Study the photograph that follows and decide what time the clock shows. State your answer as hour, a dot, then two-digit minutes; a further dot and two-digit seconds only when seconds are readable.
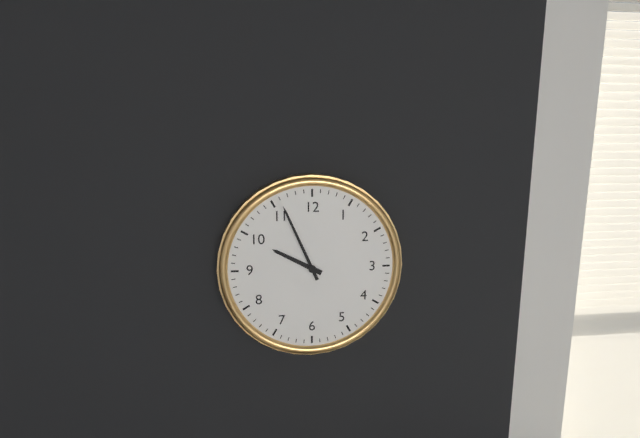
9.56
